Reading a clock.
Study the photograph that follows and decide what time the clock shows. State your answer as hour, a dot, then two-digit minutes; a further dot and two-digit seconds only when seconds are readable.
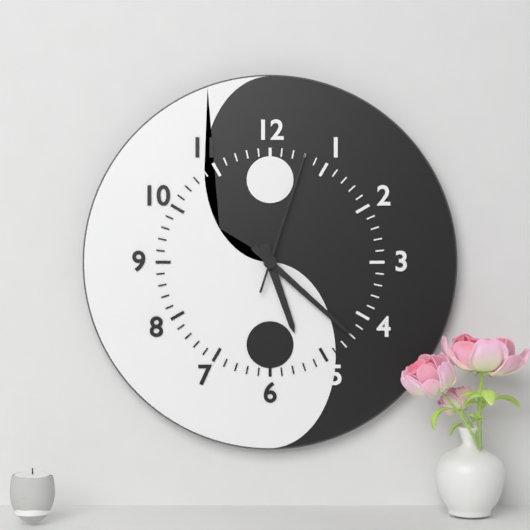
5.22.03
